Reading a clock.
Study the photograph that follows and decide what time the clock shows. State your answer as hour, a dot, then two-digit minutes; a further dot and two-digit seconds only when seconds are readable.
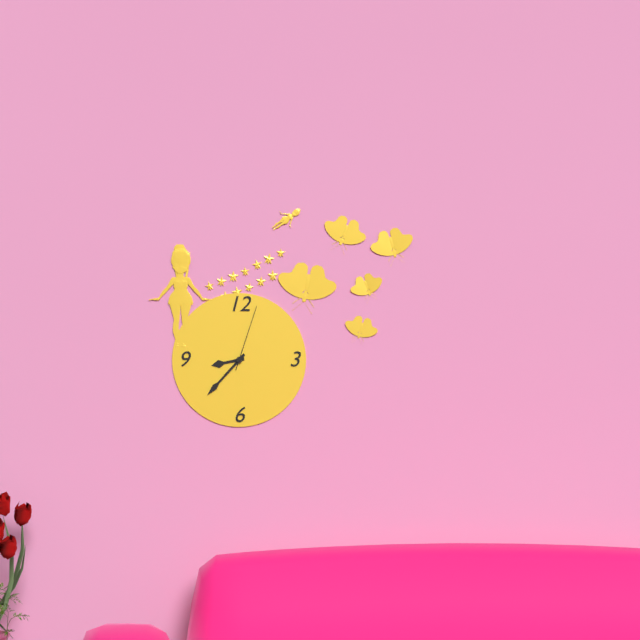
8.37.03
